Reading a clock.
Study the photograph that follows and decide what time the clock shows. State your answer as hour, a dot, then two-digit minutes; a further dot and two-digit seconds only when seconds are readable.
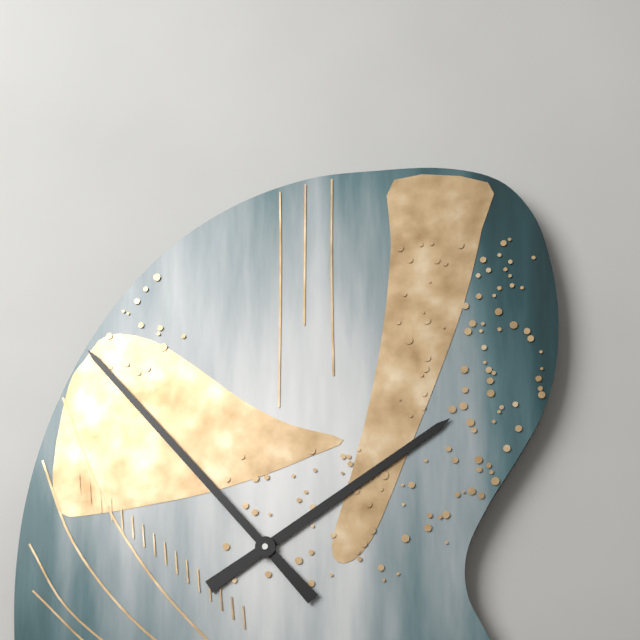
1.53
